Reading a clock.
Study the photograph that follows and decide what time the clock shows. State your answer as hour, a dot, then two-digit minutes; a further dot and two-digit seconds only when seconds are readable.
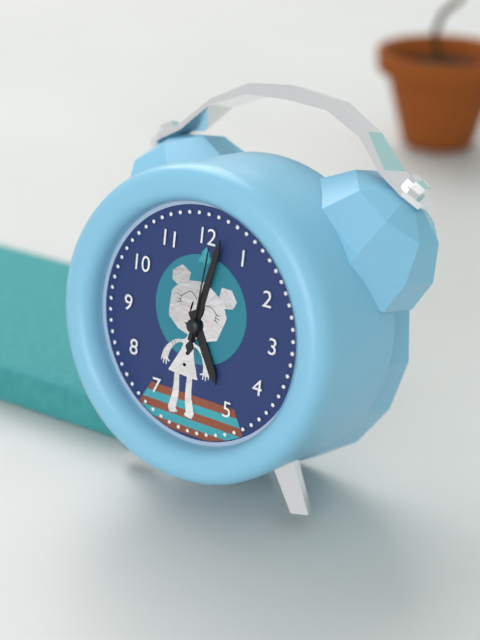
5.02.01
